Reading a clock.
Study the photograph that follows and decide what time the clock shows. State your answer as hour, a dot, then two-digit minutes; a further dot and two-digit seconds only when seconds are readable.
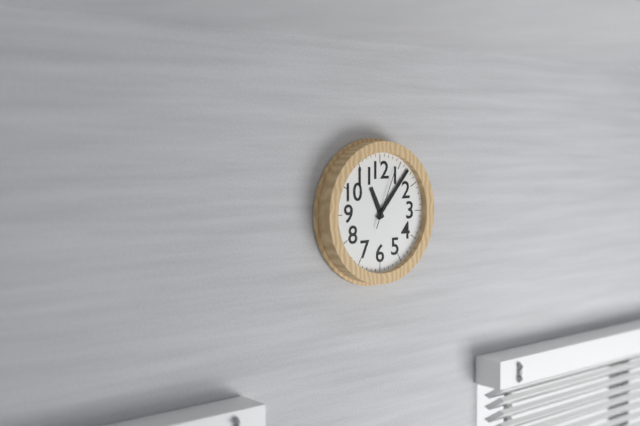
11.07.04
